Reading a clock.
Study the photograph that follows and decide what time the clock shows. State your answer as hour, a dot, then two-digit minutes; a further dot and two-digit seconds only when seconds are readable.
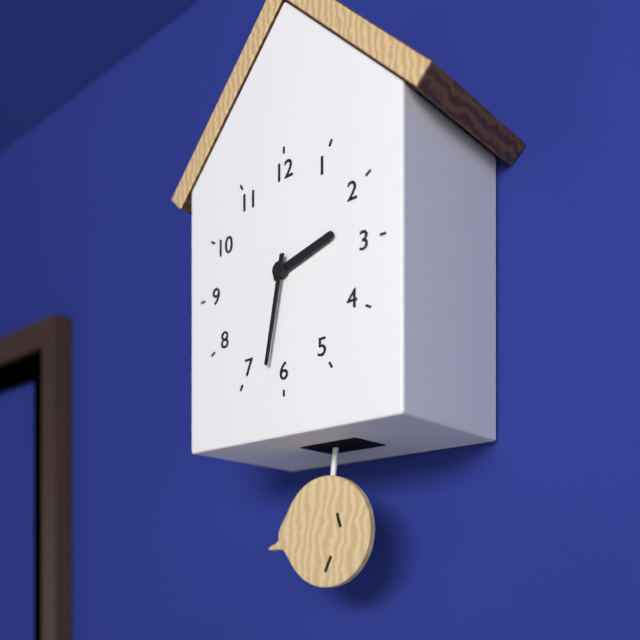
2.32
